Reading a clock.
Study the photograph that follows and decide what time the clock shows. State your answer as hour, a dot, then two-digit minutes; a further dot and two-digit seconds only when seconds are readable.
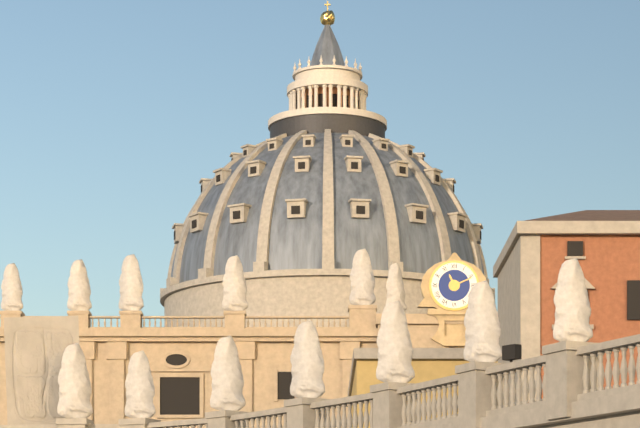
11.11
